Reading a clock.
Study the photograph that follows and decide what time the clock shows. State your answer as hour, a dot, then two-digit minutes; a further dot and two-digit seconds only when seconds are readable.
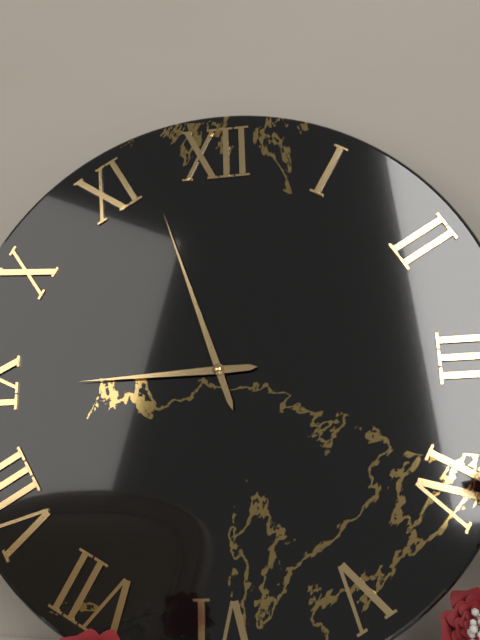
8.57
